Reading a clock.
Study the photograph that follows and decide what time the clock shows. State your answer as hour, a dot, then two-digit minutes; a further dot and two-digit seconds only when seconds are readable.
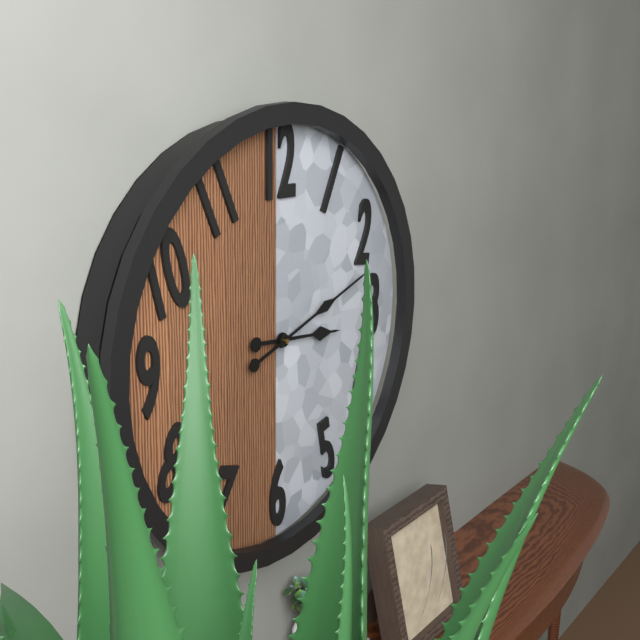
3.12
